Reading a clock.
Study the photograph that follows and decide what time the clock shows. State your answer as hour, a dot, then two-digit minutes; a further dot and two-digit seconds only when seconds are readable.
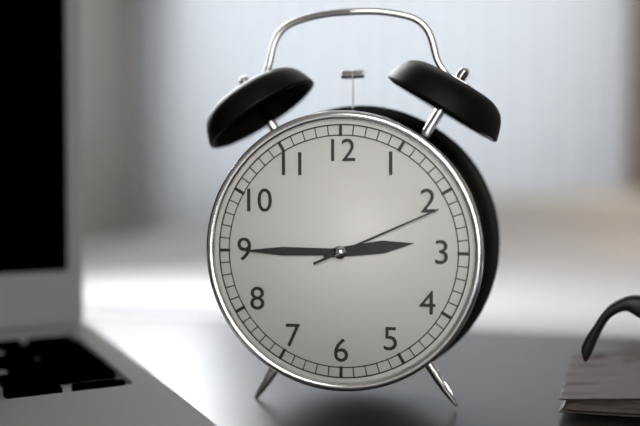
2.45.11
